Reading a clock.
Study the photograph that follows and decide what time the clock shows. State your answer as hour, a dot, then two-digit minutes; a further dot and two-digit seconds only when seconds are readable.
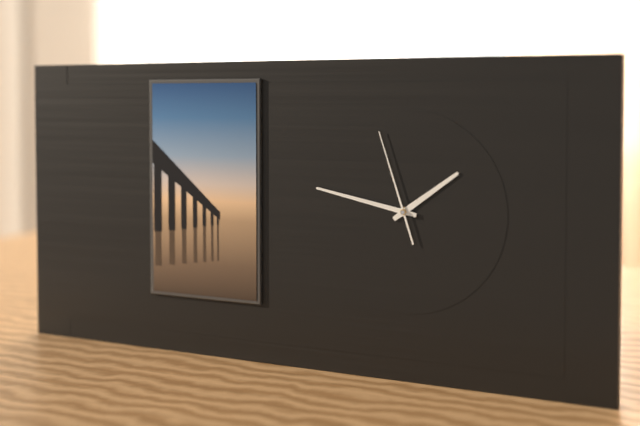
1.47.57
